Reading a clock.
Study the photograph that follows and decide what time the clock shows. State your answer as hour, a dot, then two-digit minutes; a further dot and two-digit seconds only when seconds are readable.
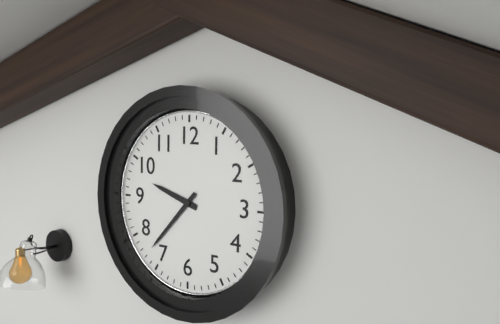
9.37
